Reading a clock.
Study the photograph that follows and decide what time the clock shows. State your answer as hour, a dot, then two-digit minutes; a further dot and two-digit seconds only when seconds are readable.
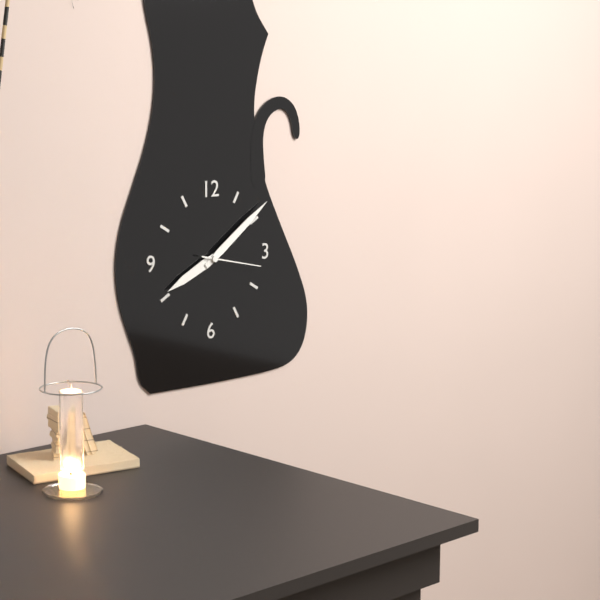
8.09.17
